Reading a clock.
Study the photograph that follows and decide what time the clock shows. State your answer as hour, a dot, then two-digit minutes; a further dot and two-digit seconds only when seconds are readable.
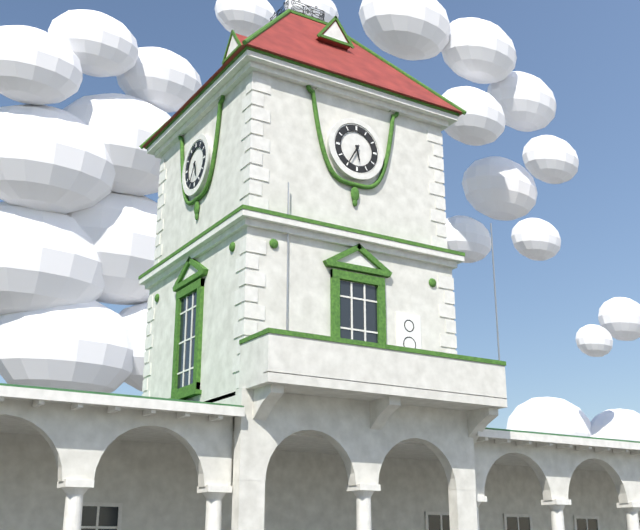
5.35
